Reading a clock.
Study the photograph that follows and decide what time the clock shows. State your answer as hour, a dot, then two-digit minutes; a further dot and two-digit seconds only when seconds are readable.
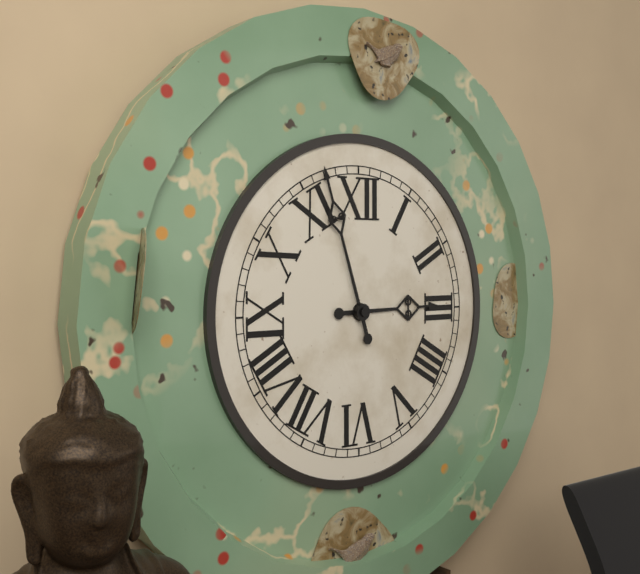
2.57
